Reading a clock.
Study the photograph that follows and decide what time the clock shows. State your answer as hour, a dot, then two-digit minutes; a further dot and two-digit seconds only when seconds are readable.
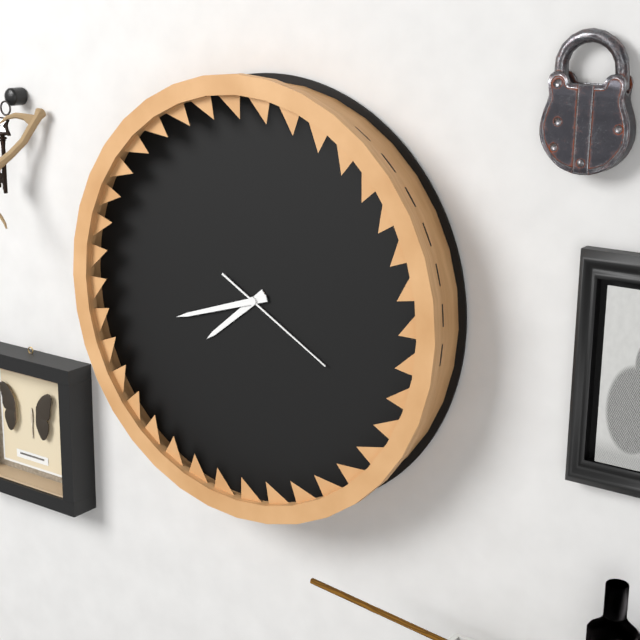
7.42.20
